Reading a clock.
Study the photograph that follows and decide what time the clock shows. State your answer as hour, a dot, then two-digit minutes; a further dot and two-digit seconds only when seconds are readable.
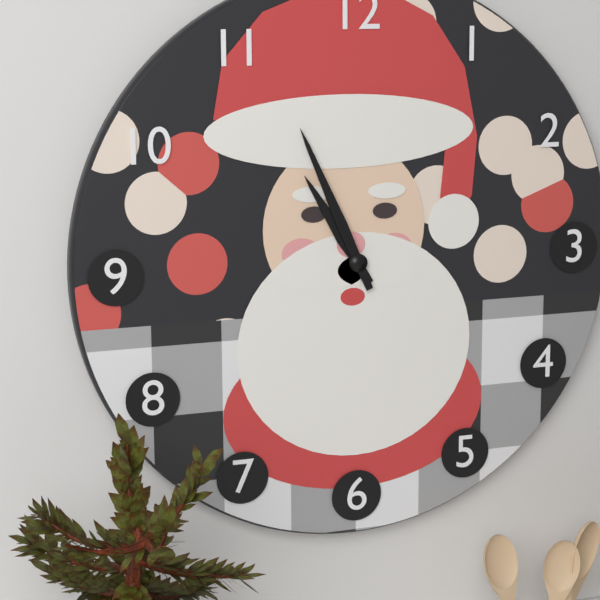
10.56
